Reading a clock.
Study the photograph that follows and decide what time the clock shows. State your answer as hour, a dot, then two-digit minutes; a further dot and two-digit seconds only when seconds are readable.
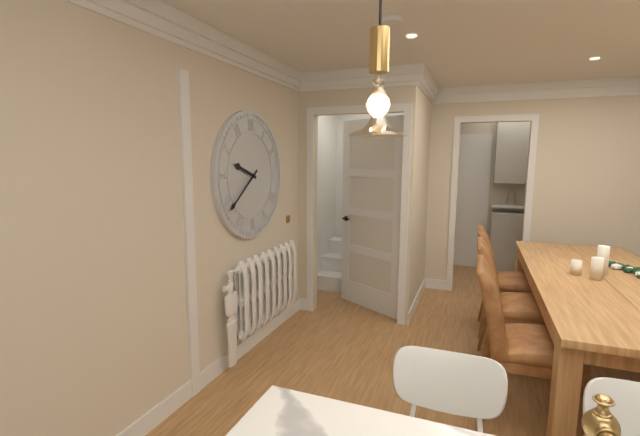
9.39
